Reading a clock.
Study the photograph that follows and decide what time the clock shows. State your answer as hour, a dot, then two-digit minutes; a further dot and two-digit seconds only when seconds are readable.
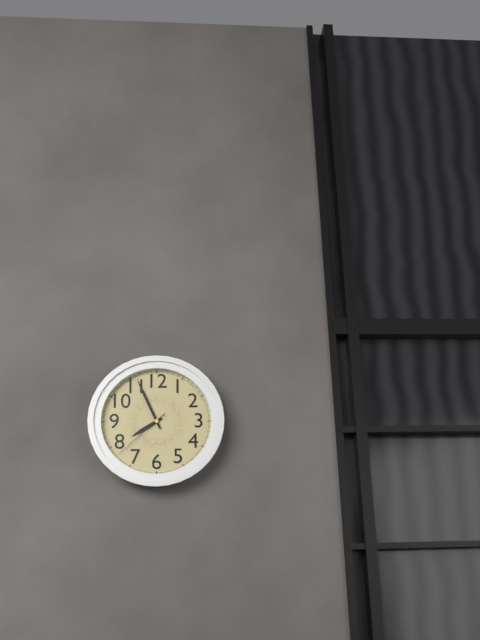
7.56.38
